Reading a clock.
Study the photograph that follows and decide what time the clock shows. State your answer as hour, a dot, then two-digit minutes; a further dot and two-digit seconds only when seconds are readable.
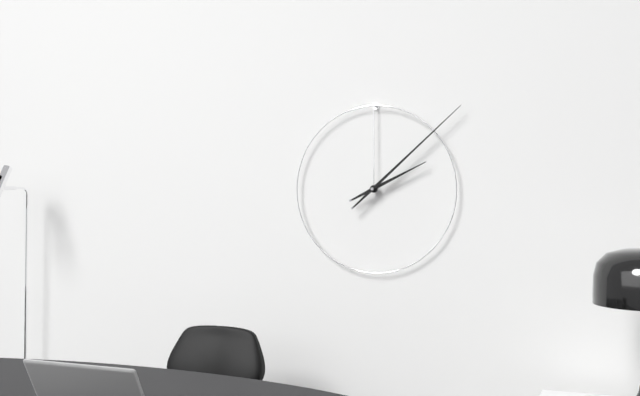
2.08
